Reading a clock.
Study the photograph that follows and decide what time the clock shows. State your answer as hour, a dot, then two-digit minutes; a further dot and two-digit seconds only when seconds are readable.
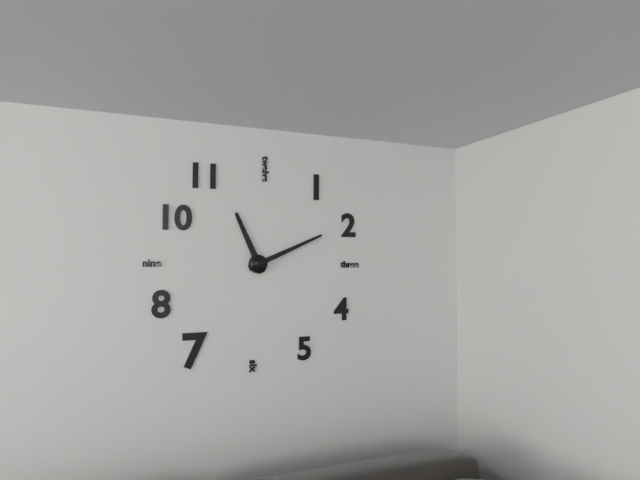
11.11
